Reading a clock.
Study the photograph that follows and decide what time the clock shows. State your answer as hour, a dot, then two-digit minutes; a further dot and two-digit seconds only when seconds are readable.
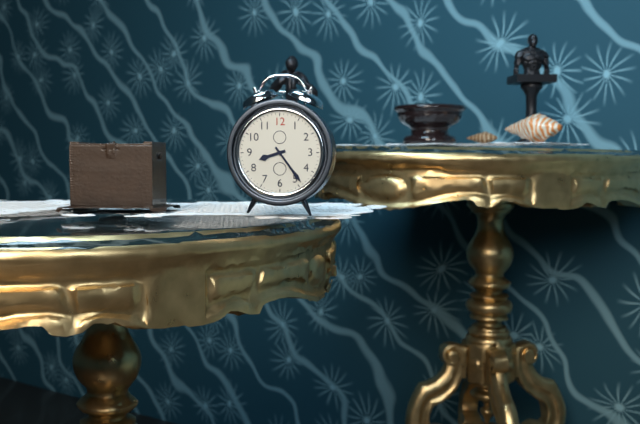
8.24
